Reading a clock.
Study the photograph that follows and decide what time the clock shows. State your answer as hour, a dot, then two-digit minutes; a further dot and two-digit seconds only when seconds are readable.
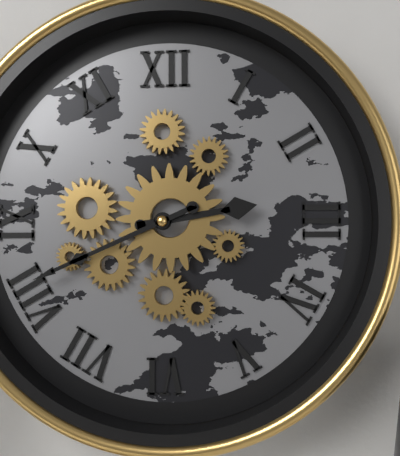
2.41
